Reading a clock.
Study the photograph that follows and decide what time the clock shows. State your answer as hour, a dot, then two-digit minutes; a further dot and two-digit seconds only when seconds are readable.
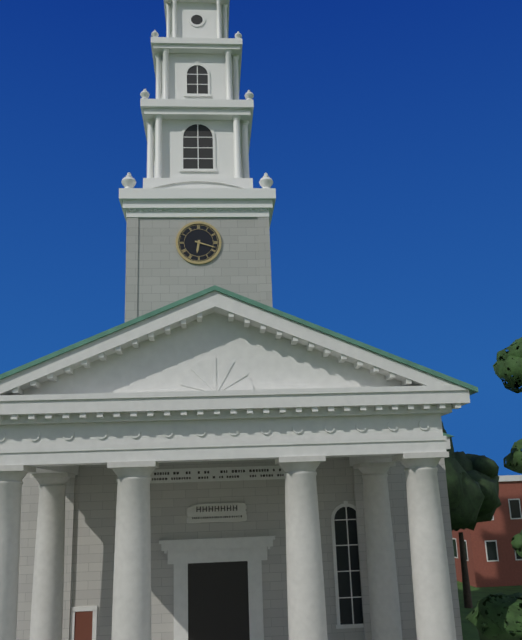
6.18
